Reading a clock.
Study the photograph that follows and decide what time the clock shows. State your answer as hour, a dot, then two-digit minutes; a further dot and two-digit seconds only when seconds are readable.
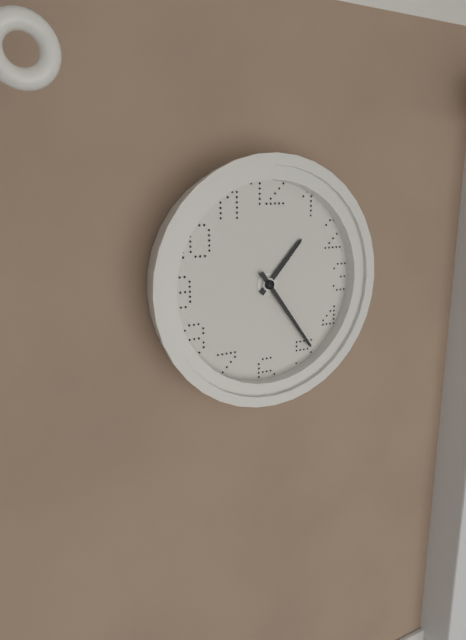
1.24
